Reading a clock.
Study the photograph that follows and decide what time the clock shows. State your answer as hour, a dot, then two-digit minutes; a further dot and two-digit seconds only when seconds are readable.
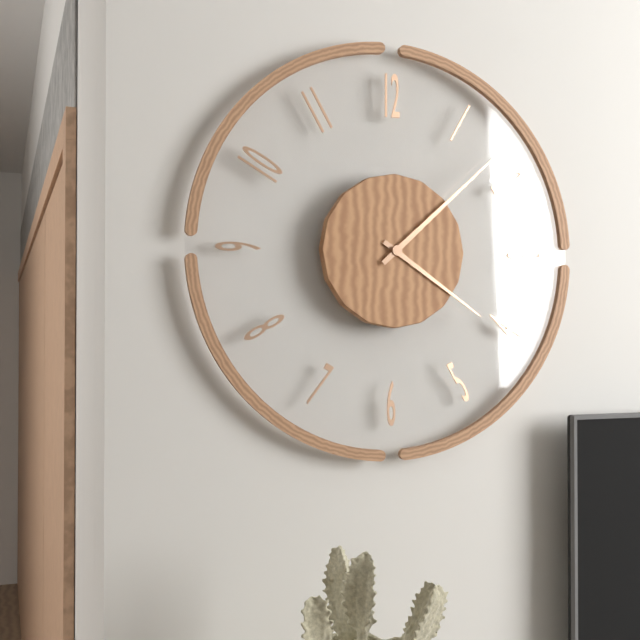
4.08
